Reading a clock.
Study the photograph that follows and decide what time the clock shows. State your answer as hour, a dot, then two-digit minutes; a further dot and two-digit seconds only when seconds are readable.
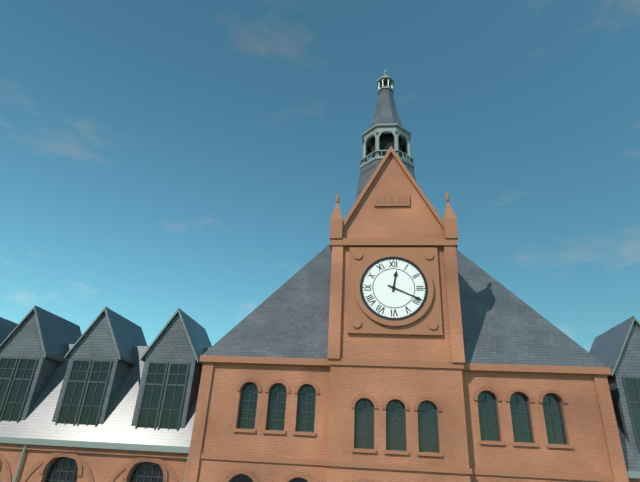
12.19
